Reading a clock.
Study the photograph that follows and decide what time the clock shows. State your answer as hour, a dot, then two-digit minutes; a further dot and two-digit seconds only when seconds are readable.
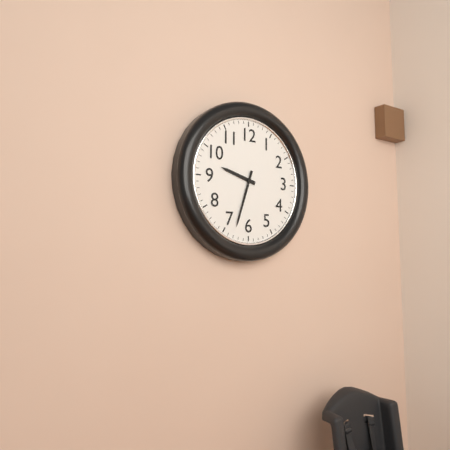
9.33
